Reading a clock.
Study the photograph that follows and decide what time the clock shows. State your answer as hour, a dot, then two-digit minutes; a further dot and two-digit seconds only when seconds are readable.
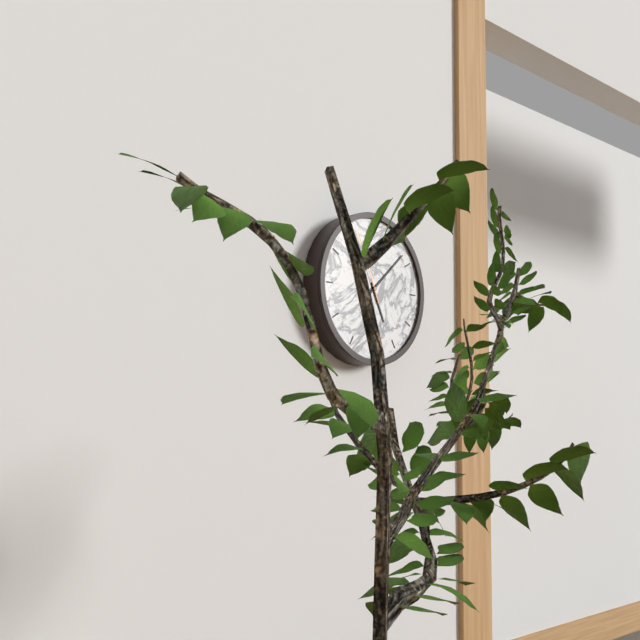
5.08.56
